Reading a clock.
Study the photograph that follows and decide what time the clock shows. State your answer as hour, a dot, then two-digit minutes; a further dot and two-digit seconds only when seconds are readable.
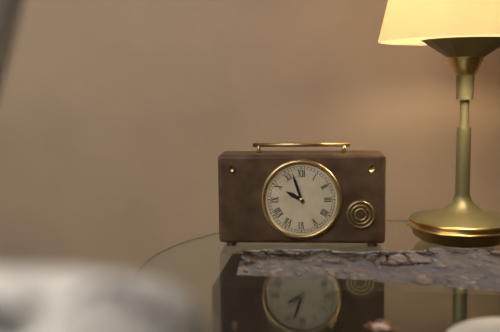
9.57
